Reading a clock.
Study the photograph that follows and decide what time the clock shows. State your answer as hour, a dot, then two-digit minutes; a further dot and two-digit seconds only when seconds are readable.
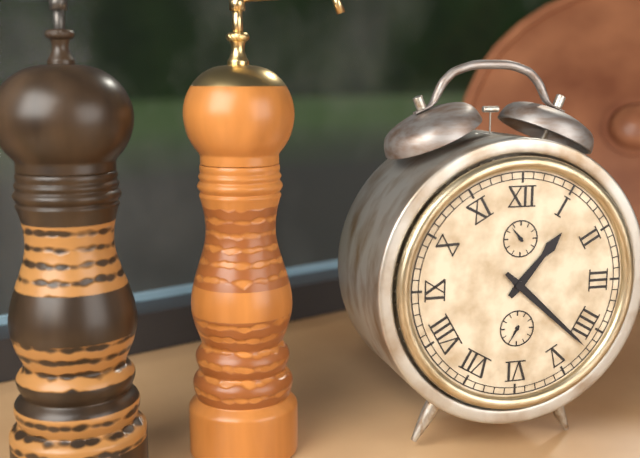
1.22
